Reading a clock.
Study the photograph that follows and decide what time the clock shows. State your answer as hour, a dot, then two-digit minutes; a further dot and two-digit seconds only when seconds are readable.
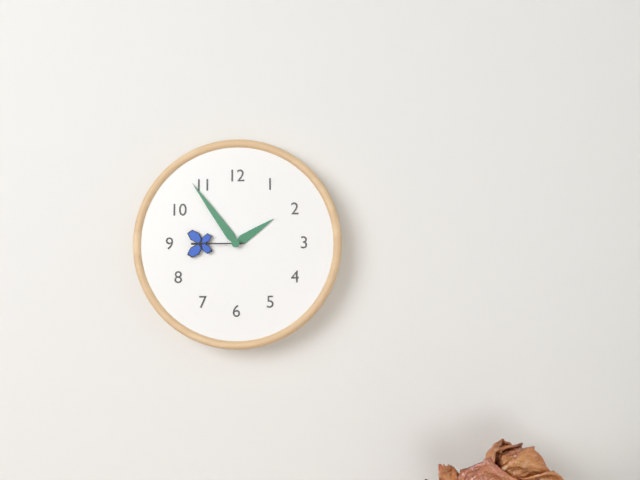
1.54.45
